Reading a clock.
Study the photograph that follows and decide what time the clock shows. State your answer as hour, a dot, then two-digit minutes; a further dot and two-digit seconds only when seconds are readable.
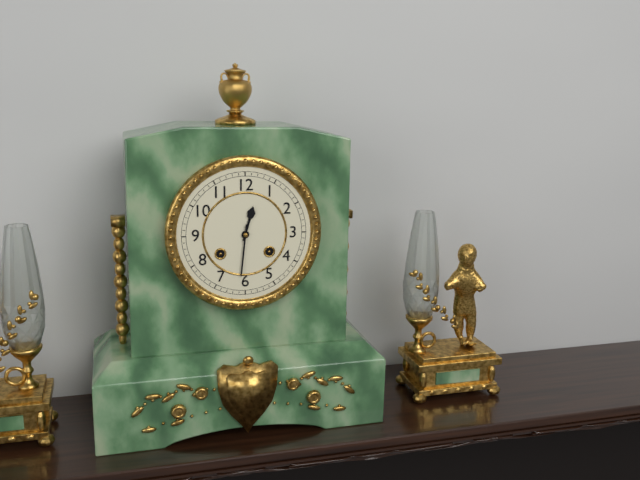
12.31
